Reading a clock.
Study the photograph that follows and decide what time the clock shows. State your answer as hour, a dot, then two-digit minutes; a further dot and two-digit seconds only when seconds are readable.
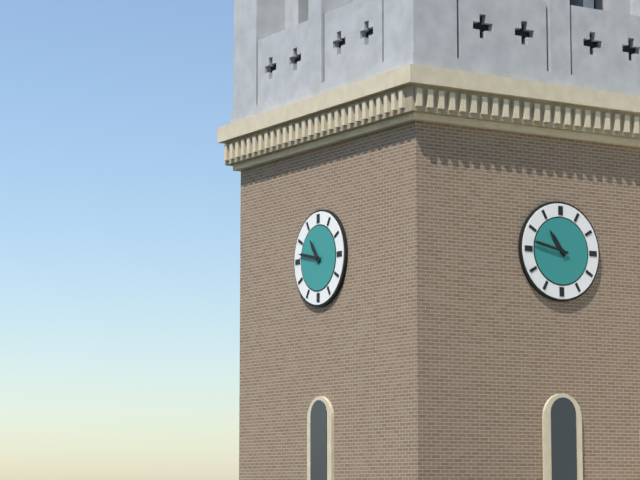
10.47
